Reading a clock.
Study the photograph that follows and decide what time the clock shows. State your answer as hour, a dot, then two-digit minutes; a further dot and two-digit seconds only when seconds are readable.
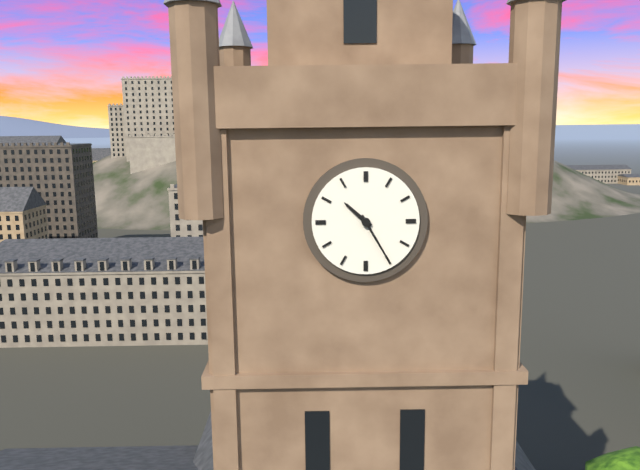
10.25
